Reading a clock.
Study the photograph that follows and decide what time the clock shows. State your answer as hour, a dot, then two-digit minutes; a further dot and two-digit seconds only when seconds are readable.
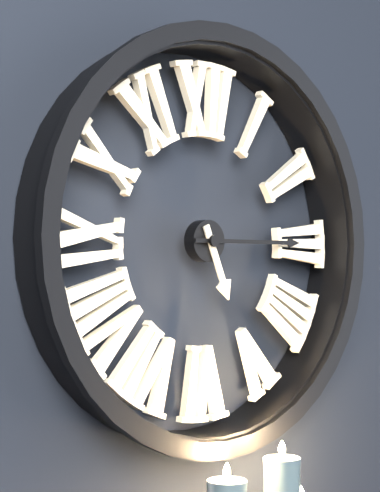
5.15
